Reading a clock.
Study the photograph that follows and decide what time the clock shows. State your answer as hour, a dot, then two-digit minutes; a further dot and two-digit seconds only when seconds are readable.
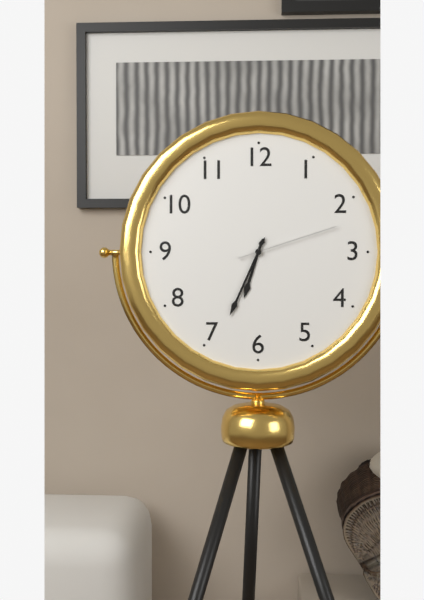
6.34.12
